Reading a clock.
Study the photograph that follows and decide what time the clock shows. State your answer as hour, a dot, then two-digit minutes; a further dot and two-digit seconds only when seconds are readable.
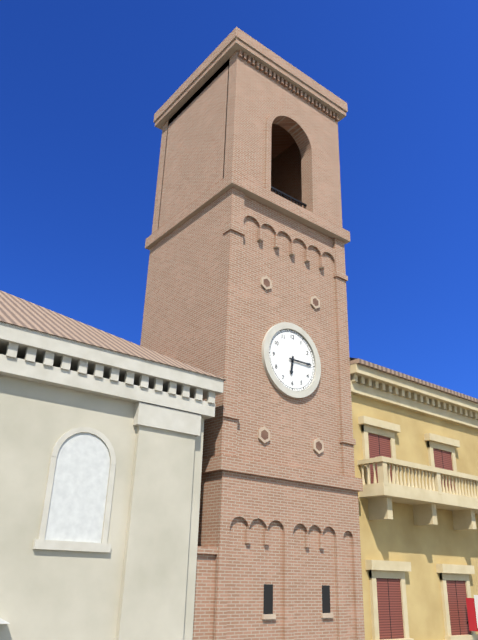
6.15
